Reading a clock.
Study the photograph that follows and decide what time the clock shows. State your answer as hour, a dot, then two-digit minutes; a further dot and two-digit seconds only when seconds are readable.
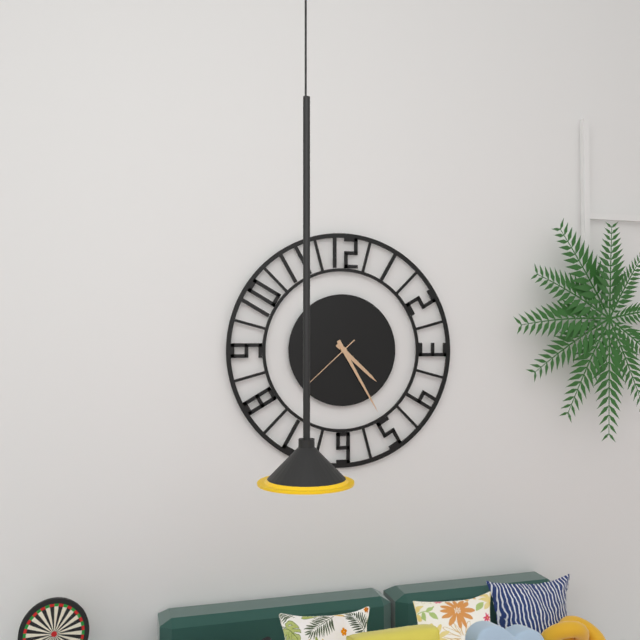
4.25.38
